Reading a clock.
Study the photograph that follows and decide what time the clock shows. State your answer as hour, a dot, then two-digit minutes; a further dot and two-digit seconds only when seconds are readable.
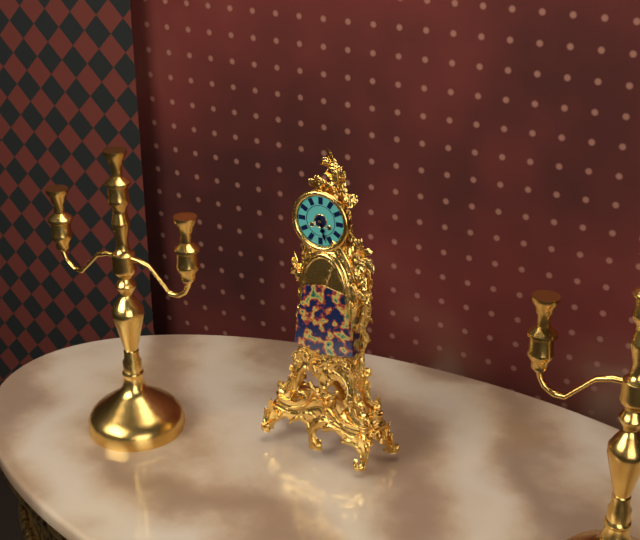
5.27
